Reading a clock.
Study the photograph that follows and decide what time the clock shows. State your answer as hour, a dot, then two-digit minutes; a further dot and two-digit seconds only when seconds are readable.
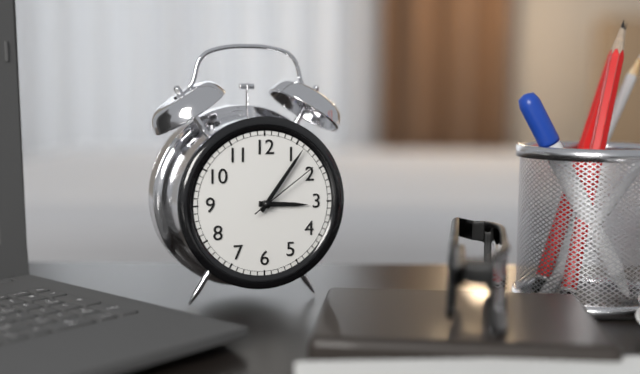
3.06.09
